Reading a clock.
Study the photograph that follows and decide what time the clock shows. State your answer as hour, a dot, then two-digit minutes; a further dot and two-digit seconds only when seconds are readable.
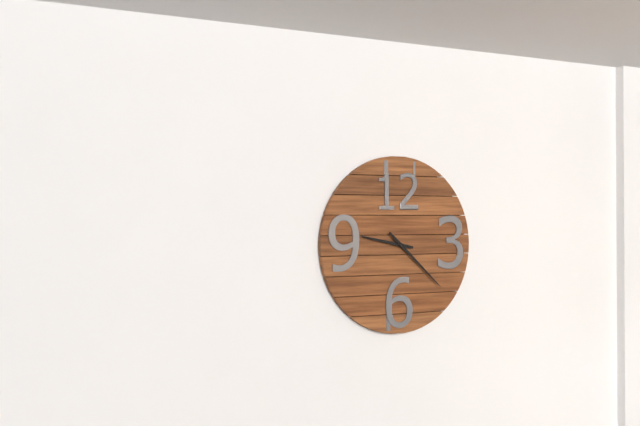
9.22
